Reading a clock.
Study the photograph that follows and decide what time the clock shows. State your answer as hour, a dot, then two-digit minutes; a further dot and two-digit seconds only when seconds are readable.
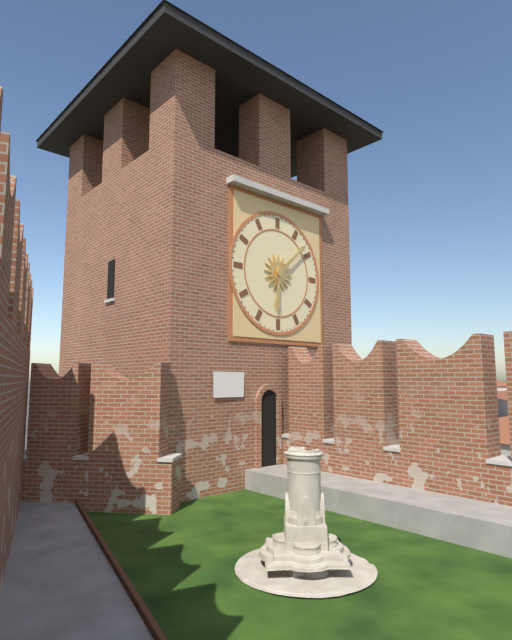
6.08
